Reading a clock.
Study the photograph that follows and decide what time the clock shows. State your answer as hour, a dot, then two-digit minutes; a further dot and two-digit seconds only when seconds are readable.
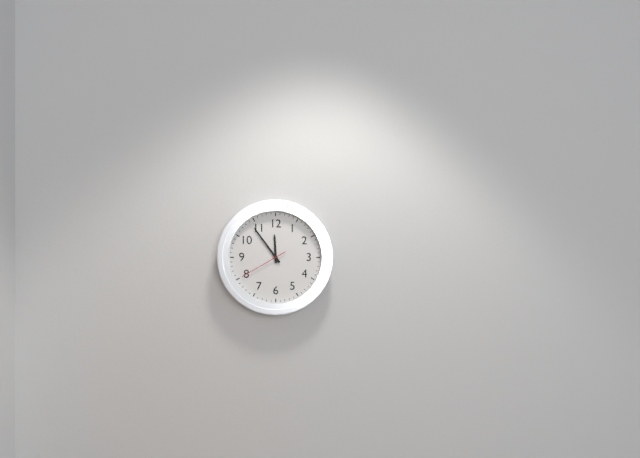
11.54
